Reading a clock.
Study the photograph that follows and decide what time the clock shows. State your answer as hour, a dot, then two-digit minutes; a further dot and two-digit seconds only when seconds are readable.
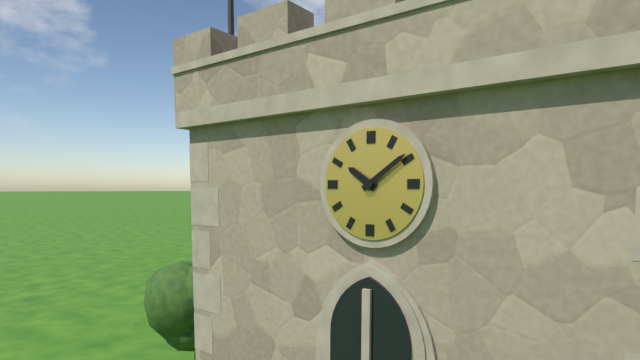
10.09
